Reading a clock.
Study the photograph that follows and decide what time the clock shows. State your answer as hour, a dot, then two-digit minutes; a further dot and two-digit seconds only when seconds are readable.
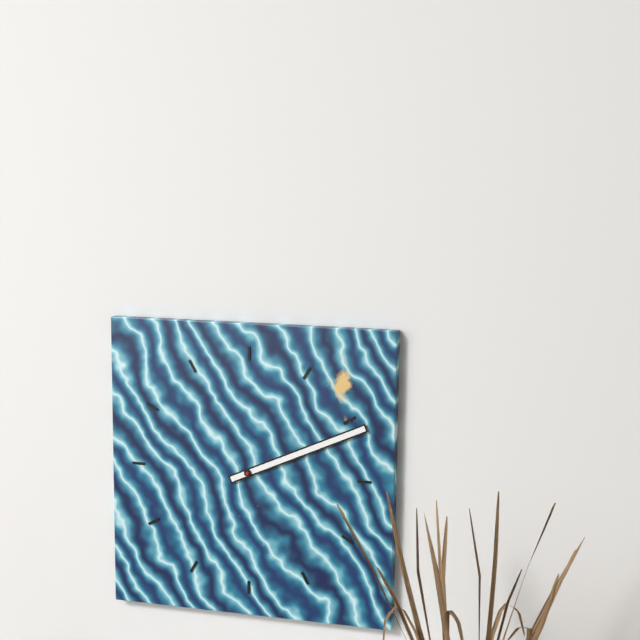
2.11
